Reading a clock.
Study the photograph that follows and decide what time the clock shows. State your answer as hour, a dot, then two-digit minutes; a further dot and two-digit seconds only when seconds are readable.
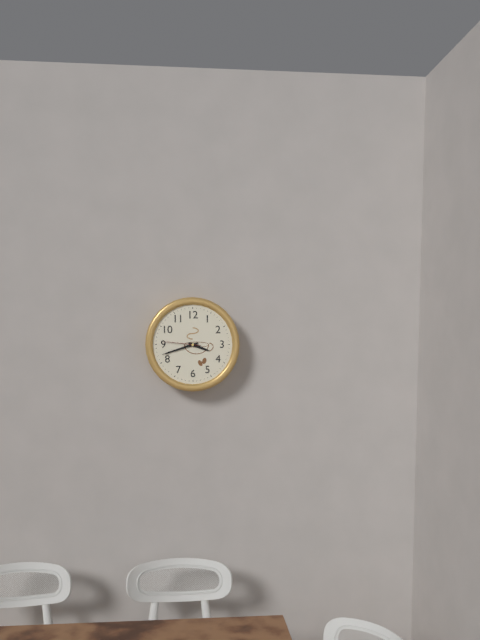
3.42
